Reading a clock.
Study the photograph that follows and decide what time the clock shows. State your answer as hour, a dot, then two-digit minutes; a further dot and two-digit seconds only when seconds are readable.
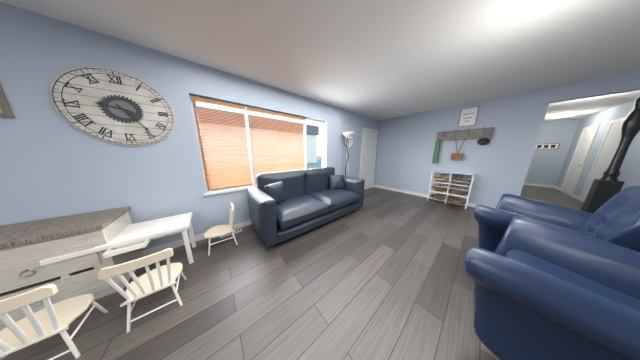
9.24
